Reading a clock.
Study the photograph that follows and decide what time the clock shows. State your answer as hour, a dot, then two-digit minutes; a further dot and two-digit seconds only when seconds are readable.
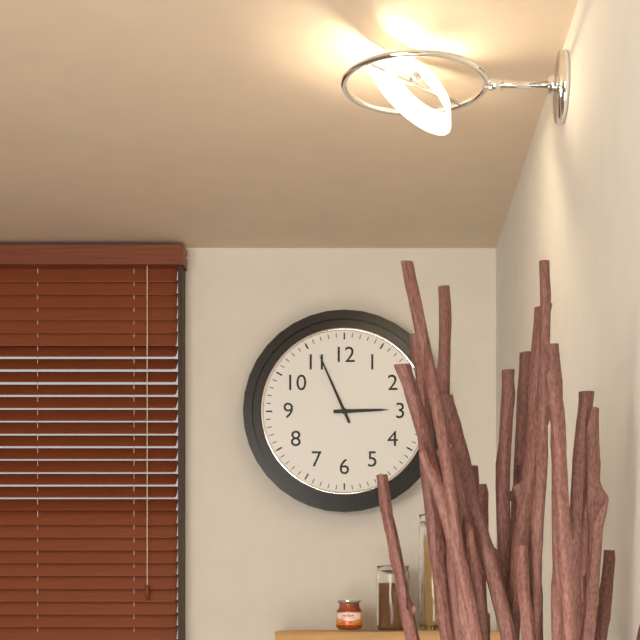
2.56
